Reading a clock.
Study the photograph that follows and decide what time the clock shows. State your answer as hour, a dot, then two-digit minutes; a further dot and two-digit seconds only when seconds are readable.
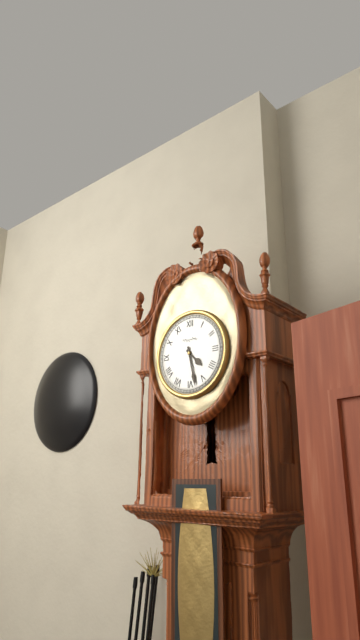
4.28
